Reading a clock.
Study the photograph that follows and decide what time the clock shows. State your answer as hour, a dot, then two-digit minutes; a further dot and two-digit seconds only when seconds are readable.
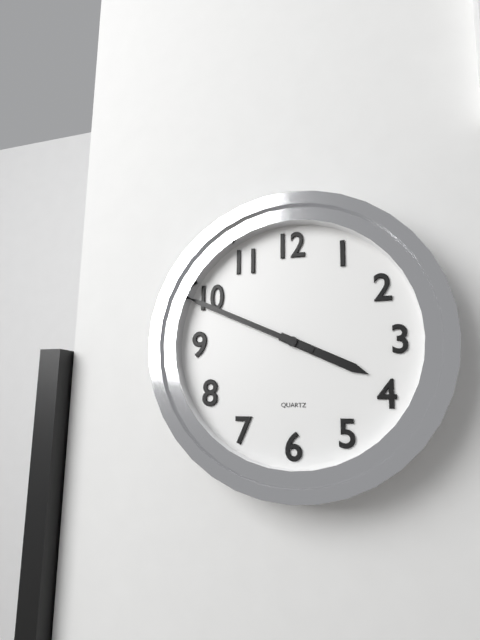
3.49
